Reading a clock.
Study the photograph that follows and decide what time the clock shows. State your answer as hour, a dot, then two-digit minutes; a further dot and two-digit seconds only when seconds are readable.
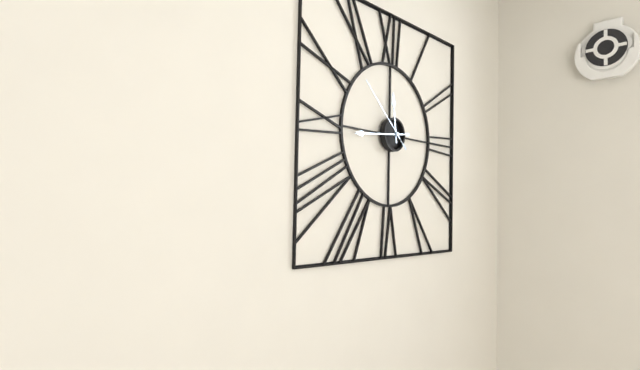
11.44.52
